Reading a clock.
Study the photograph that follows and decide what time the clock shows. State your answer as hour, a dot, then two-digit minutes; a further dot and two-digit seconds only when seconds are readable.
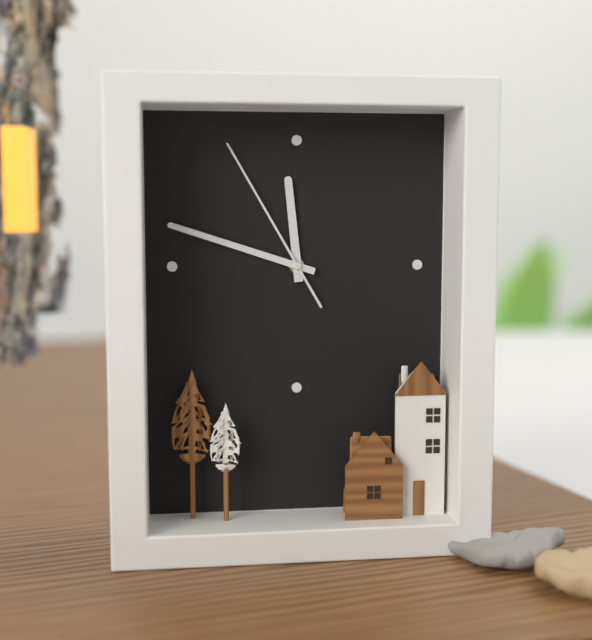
11.48.55
